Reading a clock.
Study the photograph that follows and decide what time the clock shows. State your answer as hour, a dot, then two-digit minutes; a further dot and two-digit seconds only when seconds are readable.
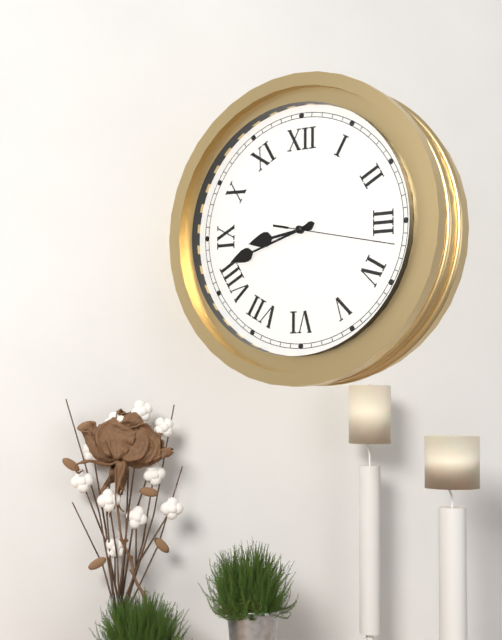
8.42.17
